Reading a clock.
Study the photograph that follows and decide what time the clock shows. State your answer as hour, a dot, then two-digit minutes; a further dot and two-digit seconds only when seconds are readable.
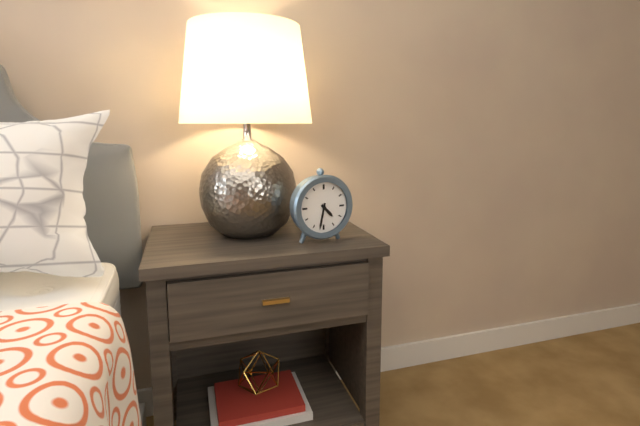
4.32
